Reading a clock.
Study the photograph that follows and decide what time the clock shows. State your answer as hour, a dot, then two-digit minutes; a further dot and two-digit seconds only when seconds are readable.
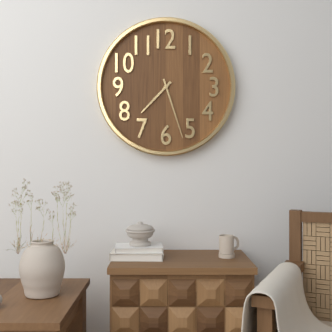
7.27
